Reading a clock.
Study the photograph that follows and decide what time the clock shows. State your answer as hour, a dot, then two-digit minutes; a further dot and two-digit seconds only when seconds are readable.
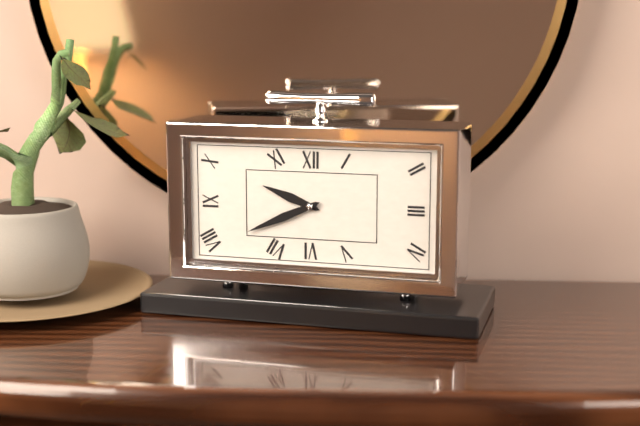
9.41
